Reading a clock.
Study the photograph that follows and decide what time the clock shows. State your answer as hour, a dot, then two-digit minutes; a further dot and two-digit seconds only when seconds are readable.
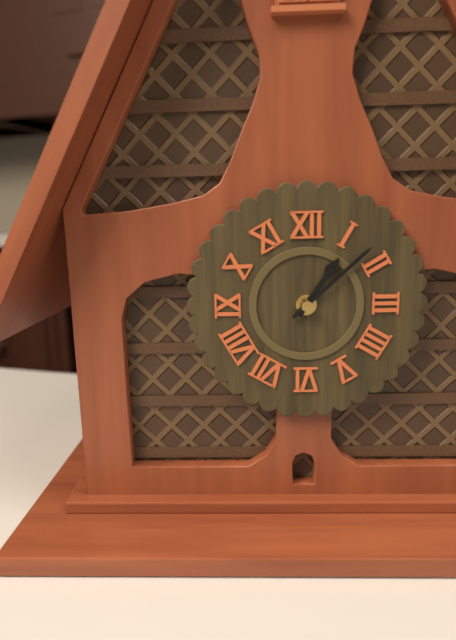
1.08
